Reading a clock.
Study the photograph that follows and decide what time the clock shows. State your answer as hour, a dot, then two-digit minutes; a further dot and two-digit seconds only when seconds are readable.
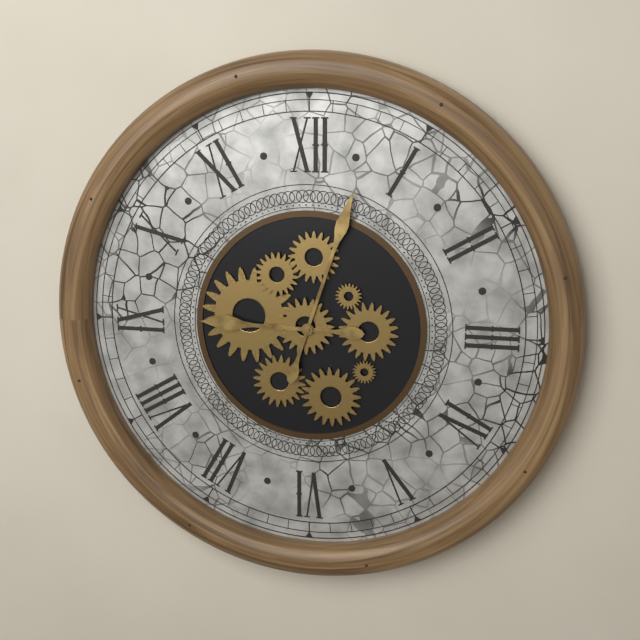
9.03
